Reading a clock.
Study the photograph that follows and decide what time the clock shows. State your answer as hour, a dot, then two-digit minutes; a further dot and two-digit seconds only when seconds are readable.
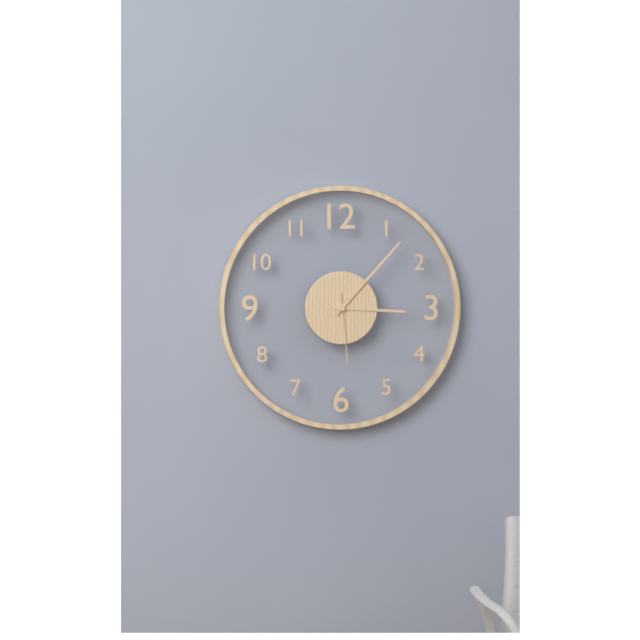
3.07.29
